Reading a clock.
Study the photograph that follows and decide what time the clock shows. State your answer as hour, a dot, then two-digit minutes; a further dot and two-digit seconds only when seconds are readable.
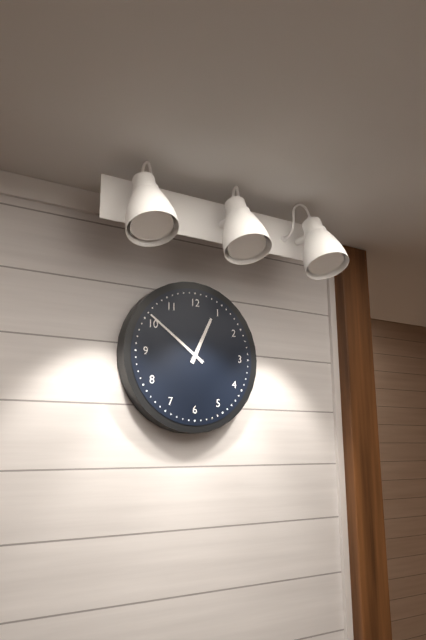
12.51
